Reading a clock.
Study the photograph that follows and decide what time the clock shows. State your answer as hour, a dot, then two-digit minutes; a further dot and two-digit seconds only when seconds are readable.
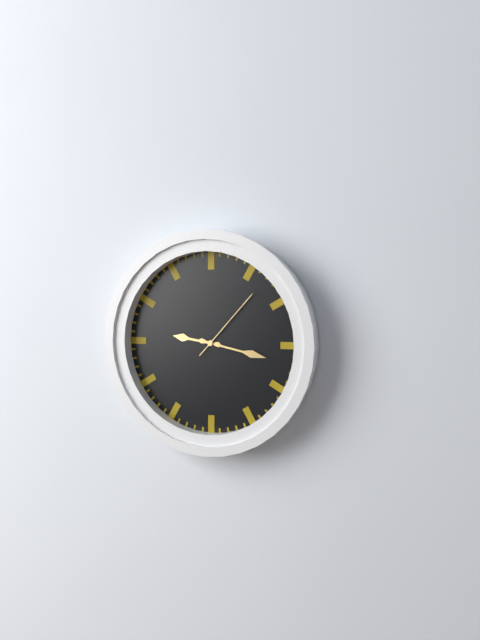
9.17.07
